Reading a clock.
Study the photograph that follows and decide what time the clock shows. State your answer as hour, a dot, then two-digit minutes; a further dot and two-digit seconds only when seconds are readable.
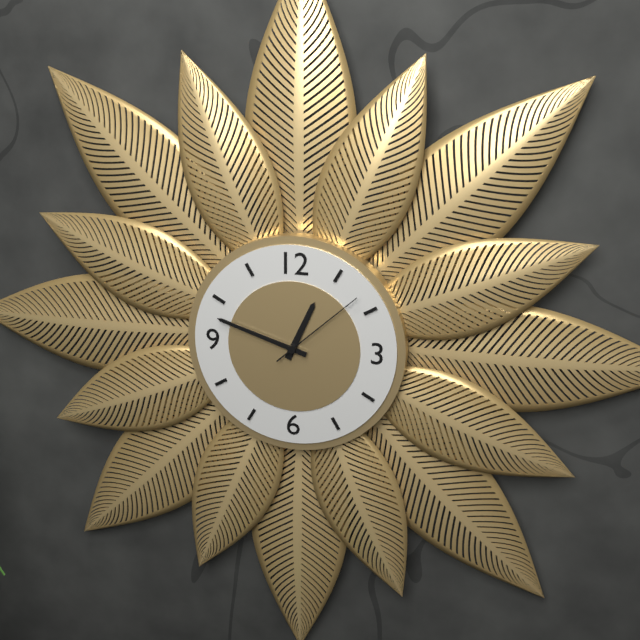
12.48.08
